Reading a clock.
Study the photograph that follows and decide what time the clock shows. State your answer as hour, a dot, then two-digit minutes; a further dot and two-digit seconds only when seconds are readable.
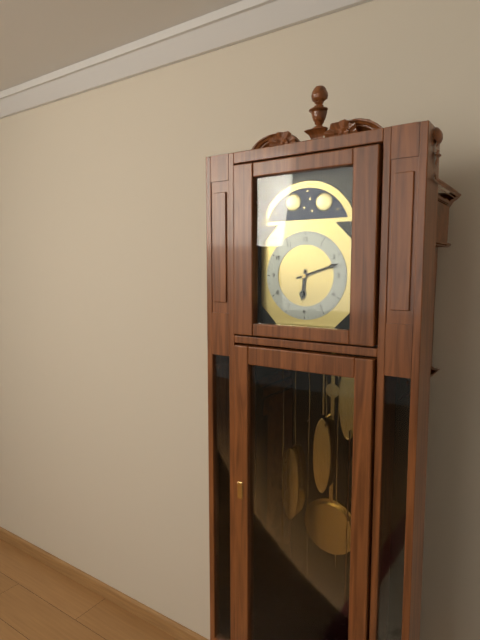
6.12
